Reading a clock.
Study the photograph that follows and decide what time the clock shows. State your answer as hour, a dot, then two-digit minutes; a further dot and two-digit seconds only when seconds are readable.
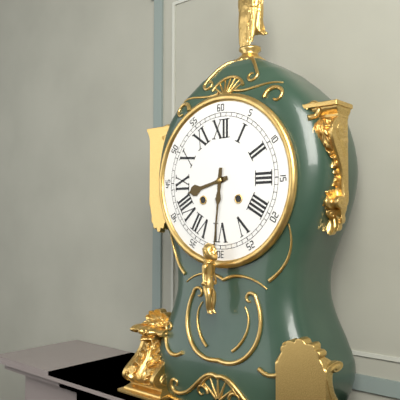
8.31
